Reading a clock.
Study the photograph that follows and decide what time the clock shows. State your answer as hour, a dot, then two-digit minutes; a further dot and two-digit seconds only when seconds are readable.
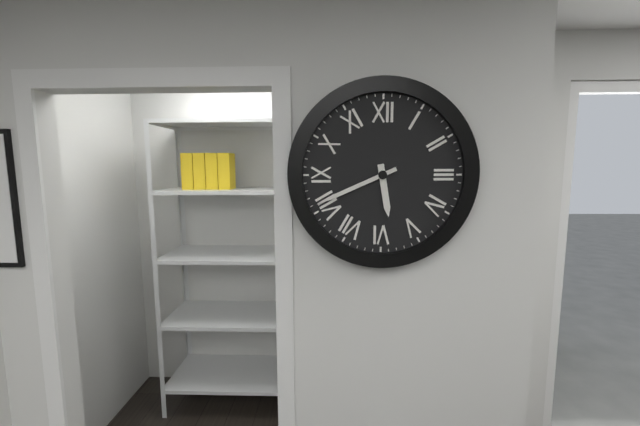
5.41
